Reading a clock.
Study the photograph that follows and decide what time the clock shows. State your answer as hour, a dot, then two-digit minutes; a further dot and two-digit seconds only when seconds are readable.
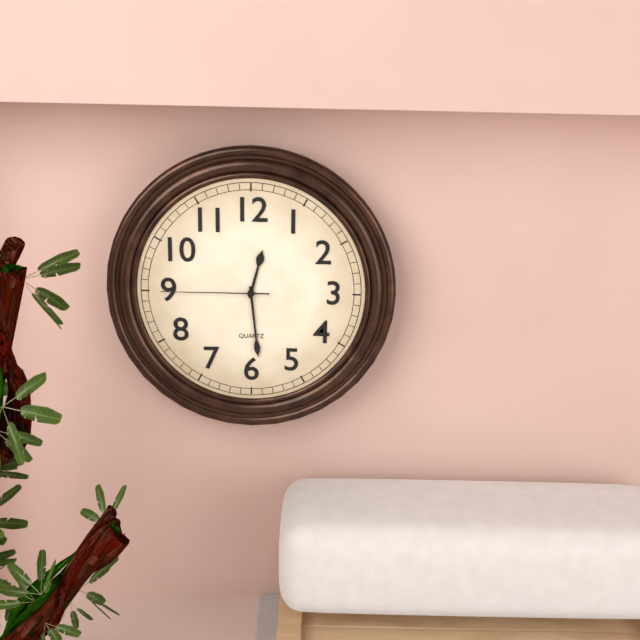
12.29.45
